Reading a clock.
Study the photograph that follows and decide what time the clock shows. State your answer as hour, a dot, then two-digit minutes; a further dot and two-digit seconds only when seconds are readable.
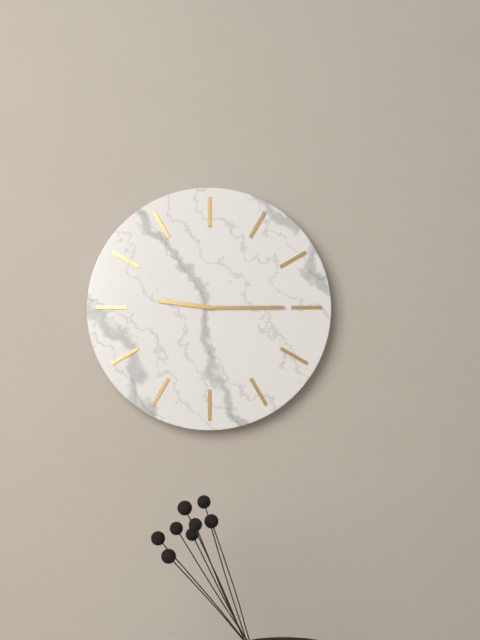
9.15
